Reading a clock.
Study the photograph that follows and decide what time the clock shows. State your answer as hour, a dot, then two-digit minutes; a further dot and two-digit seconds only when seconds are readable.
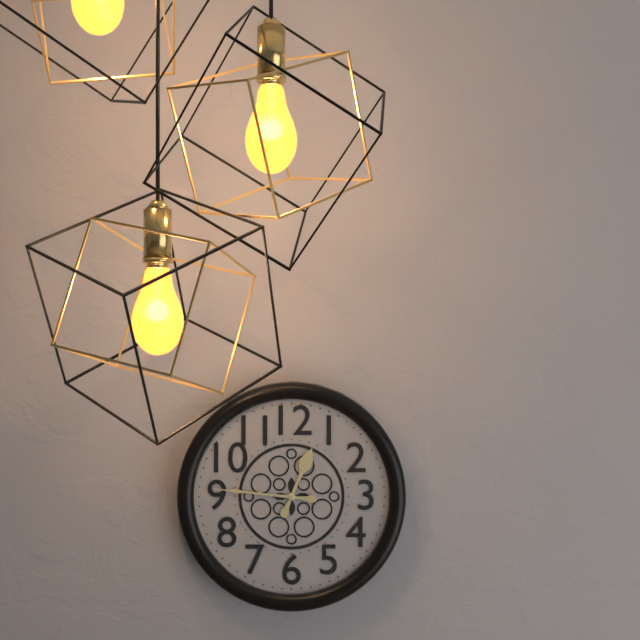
12.46
